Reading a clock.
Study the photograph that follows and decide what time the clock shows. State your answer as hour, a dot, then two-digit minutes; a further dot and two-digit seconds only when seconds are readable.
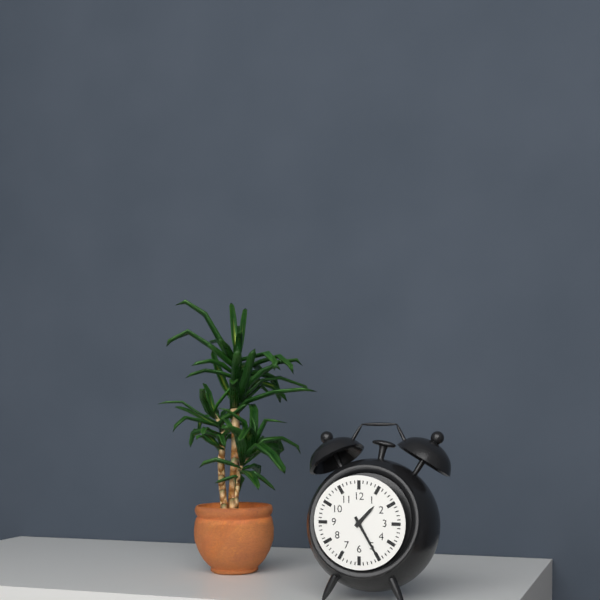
1.25
